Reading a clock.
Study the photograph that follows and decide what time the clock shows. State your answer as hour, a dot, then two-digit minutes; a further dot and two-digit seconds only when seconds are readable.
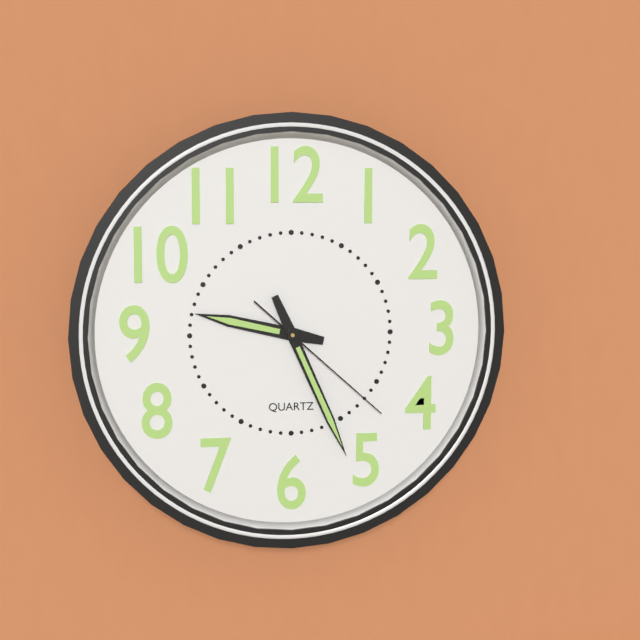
9.26.22
